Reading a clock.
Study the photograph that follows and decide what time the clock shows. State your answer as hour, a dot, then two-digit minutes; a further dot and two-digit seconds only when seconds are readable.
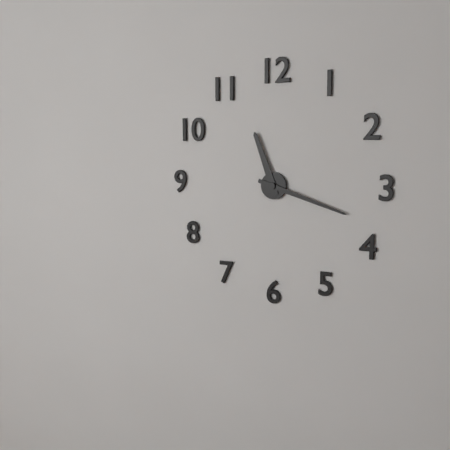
11.18
